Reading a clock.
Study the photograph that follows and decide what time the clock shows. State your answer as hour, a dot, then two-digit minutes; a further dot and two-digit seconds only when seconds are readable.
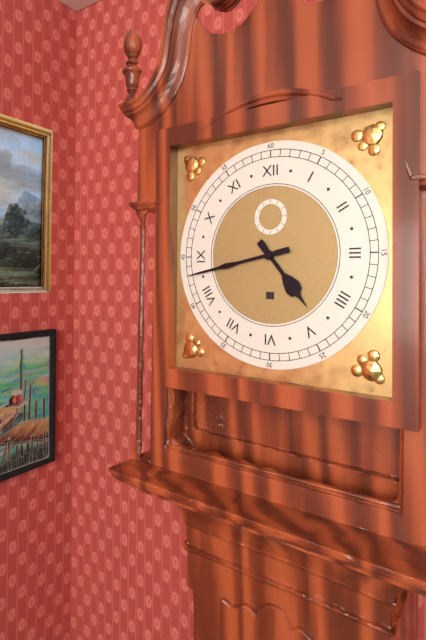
4.43
